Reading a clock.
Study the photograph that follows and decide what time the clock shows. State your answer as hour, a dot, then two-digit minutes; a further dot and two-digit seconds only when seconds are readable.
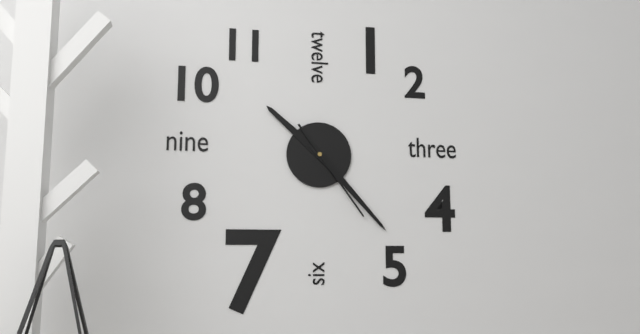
10.23.24
